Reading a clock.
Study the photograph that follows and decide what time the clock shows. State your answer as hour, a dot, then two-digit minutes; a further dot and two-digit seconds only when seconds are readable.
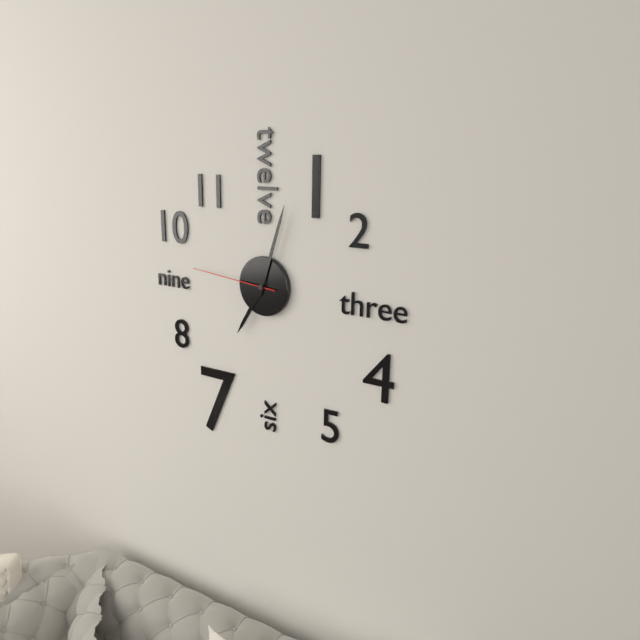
7.03.46
